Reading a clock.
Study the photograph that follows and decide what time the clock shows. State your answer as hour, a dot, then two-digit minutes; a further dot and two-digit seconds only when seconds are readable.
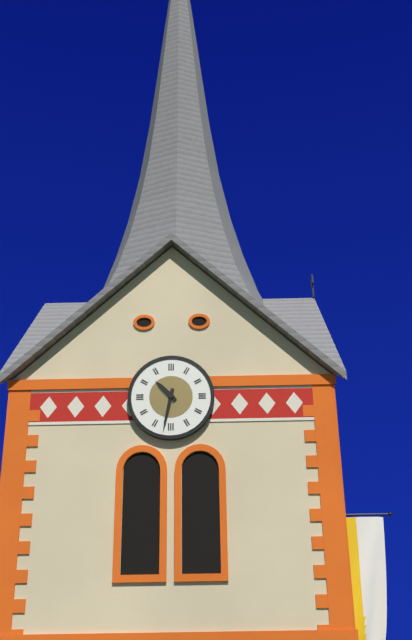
10.32
